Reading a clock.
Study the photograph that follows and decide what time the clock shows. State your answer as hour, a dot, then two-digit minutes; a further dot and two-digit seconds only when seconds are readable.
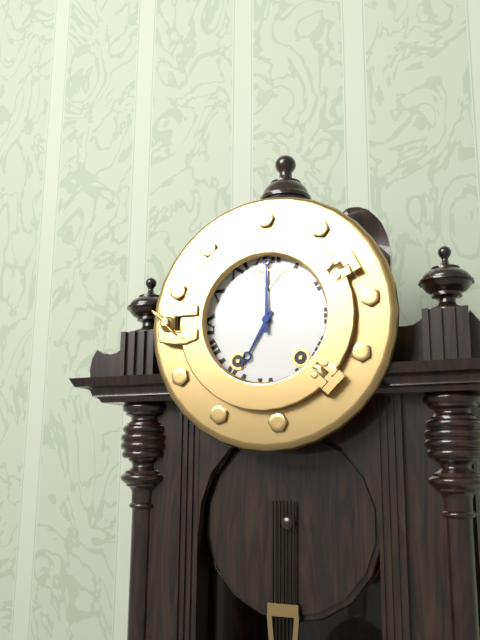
7.00
